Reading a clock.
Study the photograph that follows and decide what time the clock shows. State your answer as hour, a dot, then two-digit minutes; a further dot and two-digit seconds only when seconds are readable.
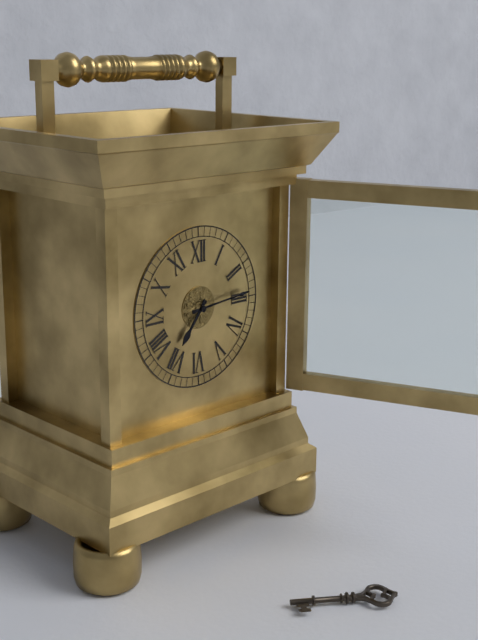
7.14
